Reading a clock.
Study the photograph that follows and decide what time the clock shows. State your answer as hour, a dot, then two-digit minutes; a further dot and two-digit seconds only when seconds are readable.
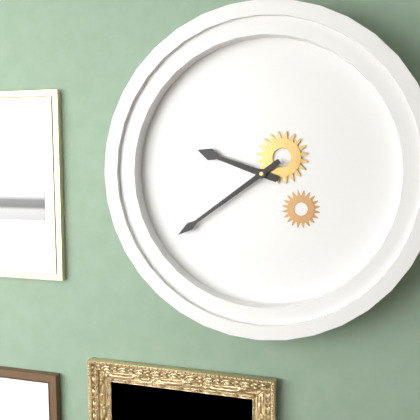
9.39
